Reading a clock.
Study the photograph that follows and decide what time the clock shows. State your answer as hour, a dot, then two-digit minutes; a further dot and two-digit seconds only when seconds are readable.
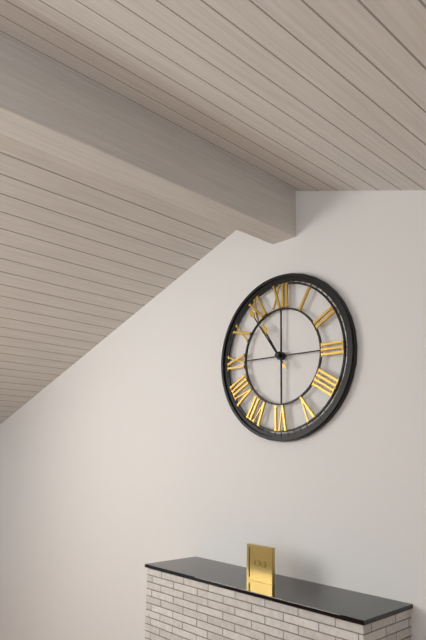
10.54
